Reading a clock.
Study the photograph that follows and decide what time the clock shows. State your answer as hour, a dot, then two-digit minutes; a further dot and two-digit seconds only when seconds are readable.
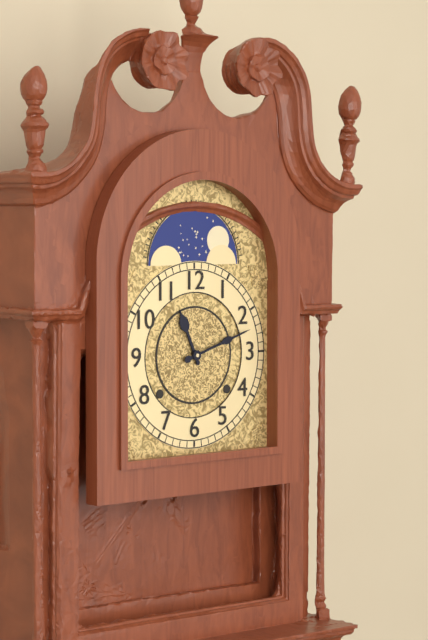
11.12
